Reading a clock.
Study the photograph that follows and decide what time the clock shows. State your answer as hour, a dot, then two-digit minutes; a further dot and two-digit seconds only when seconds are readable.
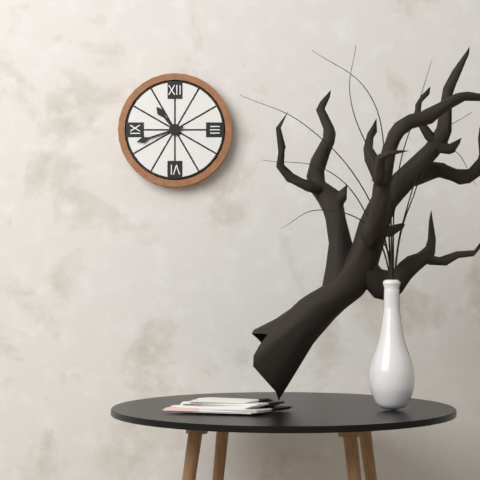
10.42
